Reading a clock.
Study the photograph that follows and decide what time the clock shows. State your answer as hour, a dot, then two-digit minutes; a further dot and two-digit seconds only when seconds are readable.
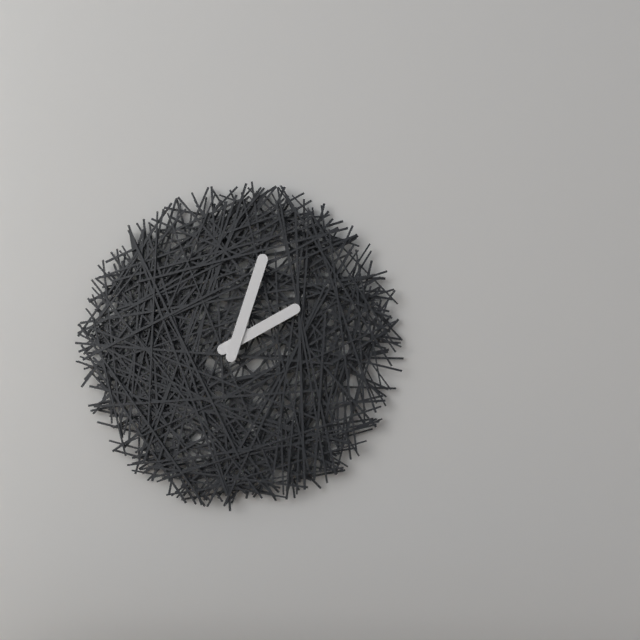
2.03
